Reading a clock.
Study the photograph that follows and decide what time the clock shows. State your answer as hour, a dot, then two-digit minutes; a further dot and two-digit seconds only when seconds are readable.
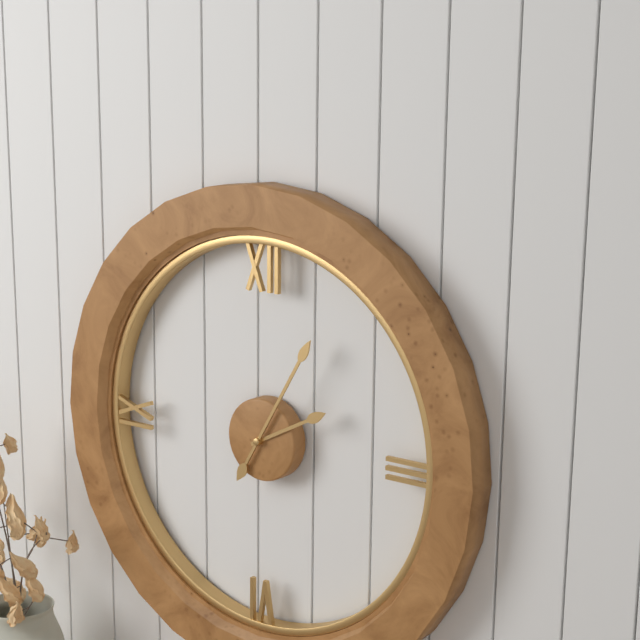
2.05
